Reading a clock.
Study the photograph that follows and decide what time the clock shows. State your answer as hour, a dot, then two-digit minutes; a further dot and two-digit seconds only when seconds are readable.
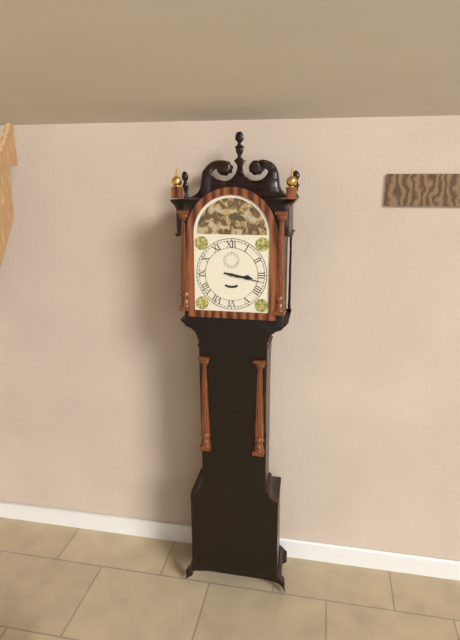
3.17
